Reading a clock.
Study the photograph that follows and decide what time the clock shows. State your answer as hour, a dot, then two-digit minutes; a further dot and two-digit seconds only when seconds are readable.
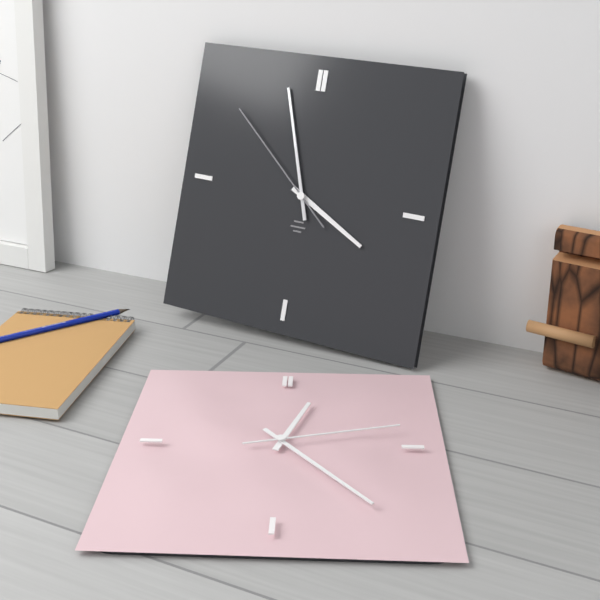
3.57.52
